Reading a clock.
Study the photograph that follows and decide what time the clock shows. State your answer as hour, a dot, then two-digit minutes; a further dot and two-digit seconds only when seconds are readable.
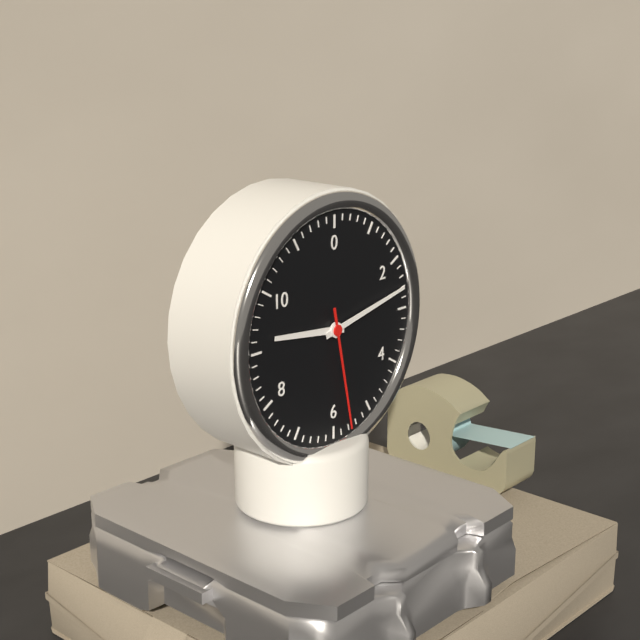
9.13.28
